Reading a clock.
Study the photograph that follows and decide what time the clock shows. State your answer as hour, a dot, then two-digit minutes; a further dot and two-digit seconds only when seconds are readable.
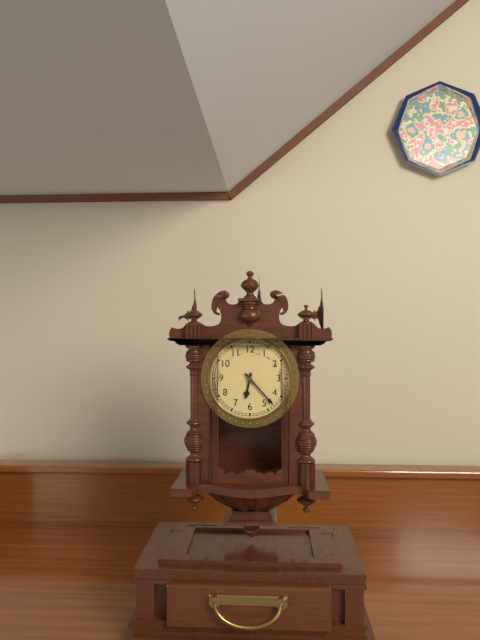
6.23
